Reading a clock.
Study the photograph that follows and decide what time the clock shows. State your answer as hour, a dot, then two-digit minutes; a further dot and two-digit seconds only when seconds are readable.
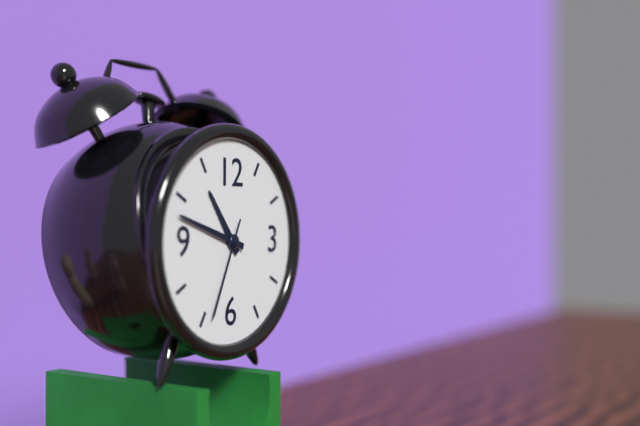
10.48.34
